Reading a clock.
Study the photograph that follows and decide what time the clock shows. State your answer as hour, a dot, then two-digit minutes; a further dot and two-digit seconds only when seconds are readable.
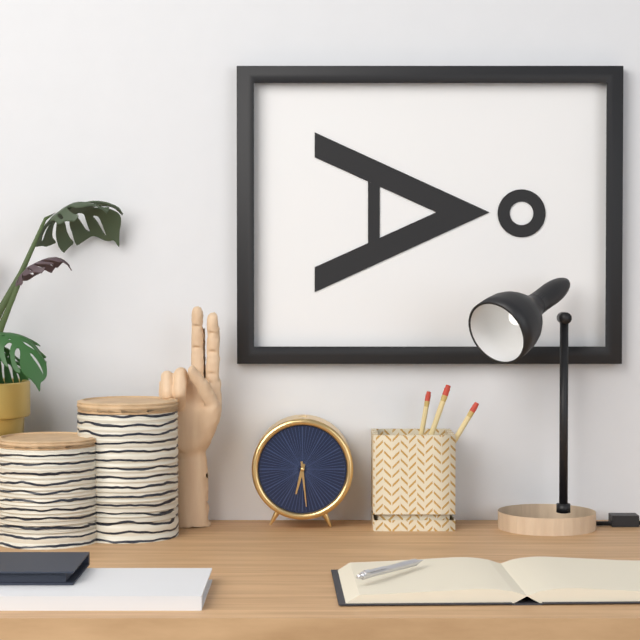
6.29
